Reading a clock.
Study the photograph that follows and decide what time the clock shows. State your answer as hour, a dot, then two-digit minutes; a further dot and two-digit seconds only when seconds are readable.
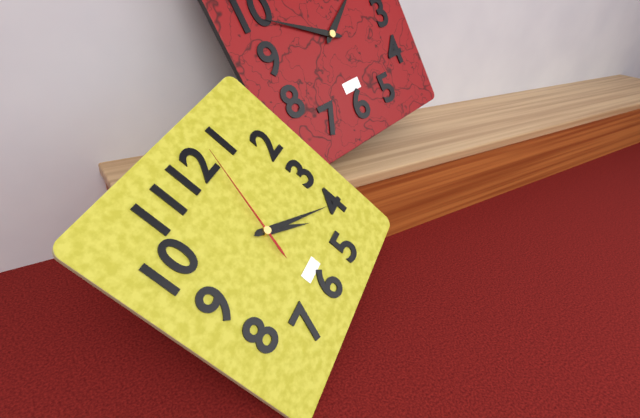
4.20.03
